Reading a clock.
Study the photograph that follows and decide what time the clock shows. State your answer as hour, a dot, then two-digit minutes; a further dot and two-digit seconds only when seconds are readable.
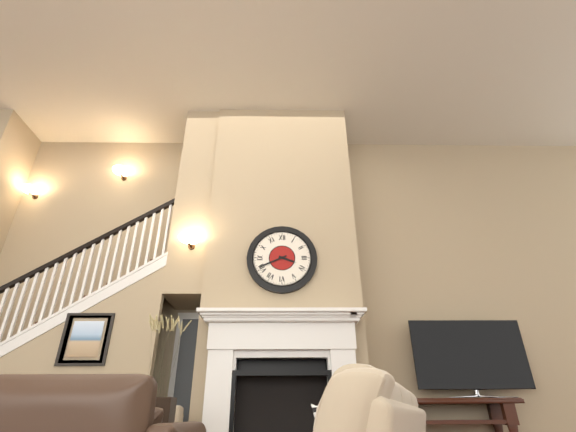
3.41
